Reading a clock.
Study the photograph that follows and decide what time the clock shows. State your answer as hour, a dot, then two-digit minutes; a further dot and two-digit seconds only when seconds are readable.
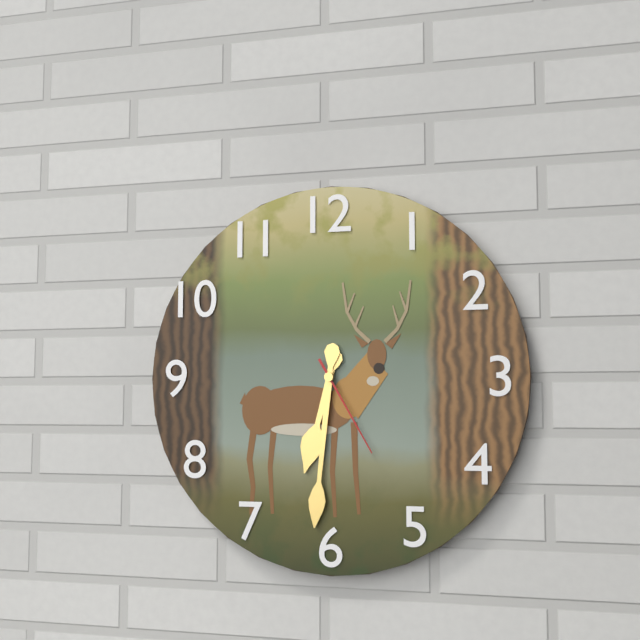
6.31.25
